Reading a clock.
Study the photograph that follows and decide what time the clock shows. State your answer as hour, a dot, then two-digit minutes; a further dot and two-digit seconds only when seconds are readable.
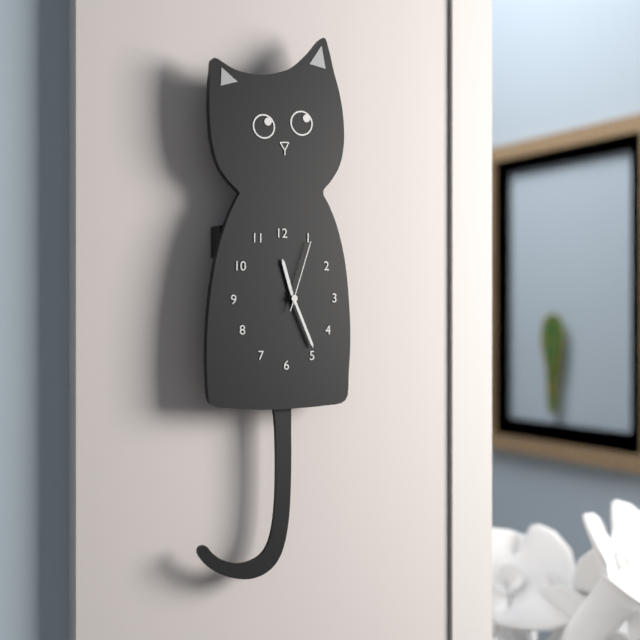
11.26.03
